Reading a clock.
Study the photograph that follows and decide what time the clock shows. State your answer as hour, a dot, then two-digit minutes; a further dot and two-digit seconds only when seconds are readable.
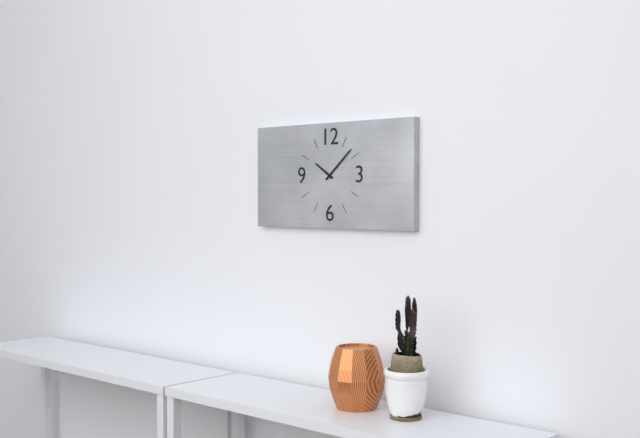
10.08
